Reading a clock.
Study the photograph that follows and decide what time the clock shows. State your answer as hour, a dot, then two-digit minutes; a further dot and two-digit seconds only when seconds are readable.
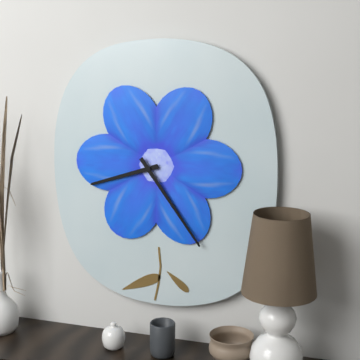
8.24
